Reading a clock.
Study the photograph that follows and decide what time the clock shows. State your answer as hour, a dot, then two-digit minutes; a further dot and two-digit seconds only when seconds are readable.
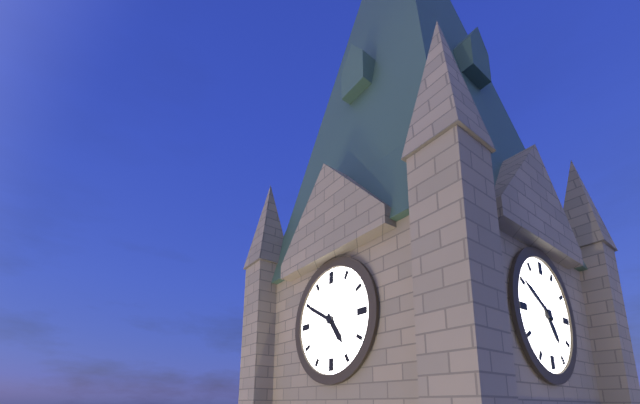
4.50
